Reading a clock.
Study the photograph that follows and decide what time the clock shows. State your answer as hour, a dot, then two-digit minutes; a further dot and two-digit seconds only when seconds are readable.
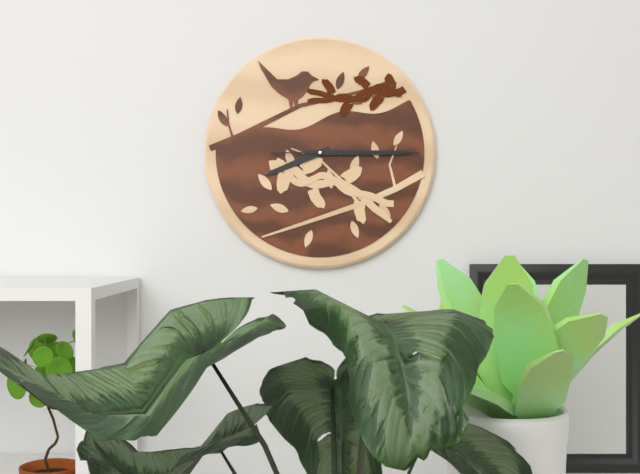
8.15.15
